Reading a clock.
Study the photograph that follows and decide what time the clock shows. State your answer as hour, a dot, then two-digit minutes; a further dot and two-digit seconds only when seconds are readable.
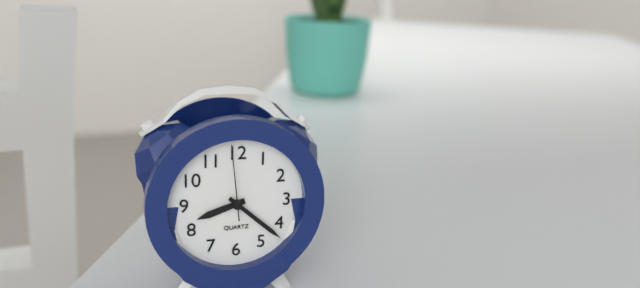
8.22.59
